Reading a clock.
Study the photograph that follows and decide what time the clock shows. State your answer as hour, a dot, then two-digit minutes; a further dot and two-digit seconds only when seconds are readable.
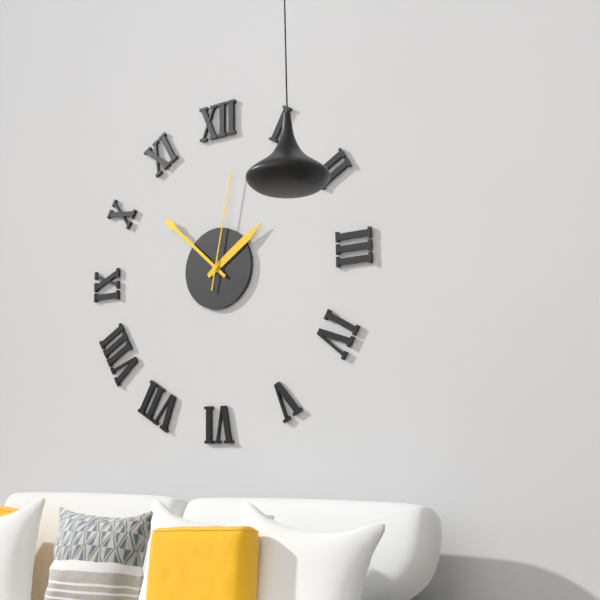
1.52.02
